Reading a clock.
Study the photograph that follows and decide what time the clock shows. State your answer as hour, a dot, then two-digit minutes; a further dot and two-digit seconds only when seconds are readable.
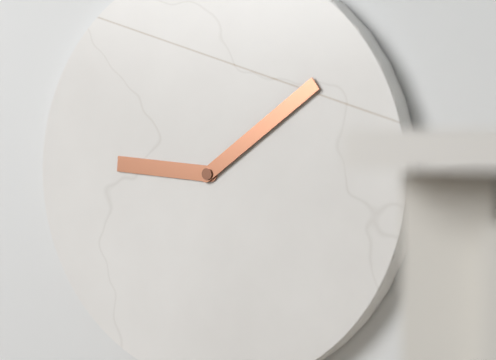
9.09
